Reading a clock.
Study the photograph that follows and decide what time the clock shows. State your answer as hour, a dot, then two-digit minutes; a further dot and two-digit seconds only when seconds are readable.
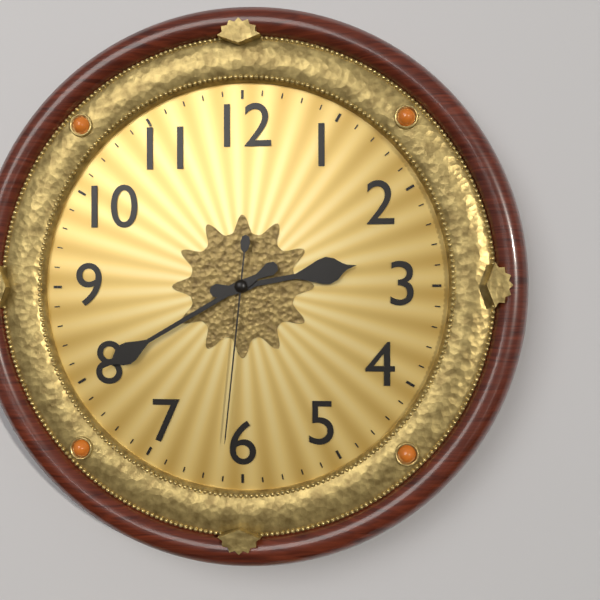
2.40.31
